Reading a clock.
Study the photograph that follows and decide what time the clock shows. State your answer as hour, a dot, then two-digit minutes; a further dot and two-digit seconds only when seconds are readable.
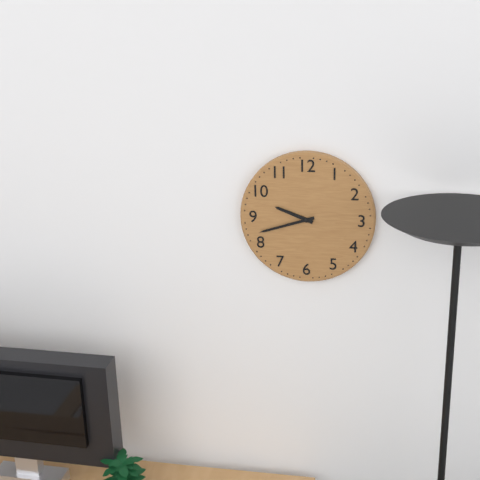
9.42
